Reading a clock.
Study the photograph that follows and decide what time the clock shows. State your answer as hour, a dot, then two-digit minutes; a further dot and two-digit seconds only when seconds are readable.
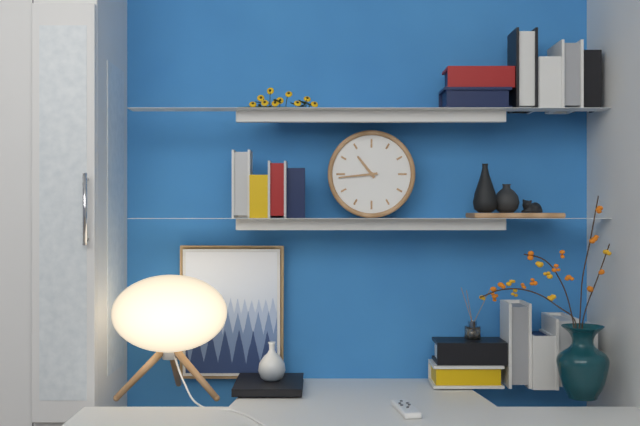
10.44
